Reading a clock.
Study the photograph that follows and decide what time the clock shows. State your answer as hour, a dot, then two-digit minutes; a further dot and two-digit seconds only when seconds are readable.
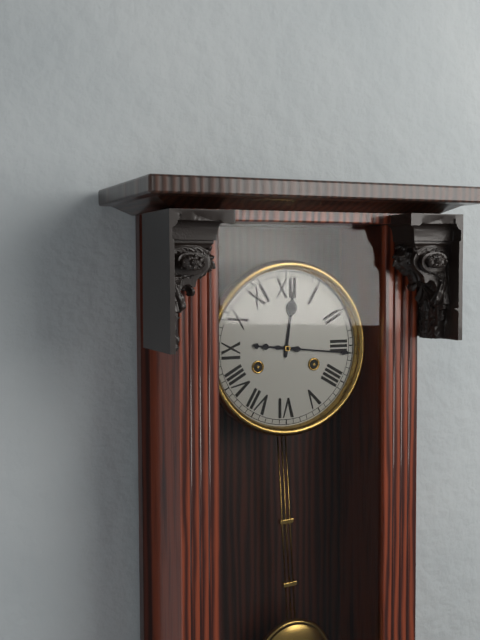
12.16
